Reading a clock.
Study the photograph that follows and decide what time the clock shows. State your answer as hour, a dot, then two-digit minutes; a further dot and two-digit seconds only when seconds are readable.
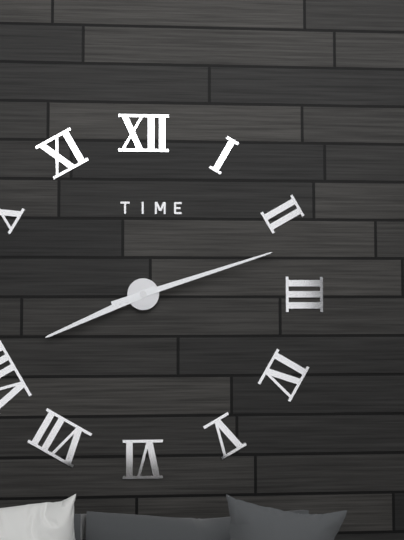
8.12
